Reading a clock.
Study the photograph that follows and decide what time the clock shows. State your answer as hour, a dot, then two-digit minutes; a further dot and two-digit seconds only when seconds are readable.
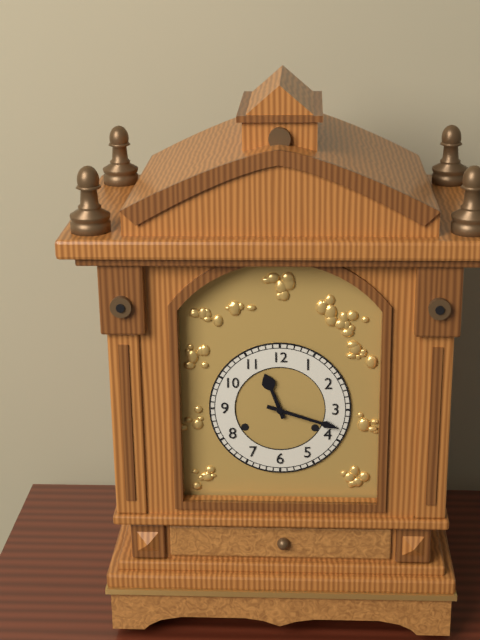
11.18
